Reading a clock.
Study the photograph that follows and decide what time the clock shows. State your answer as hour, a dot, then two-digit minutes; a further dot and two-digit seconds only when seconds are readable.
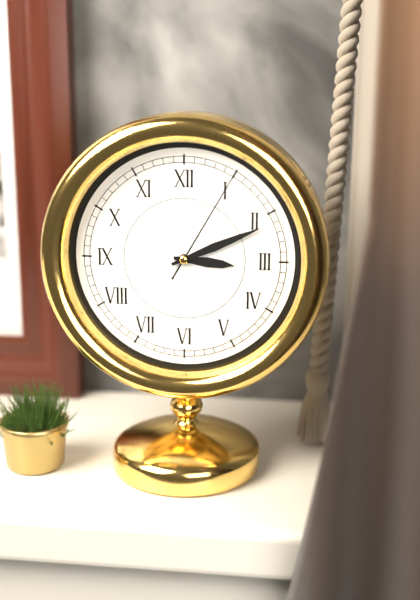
3.11.05
